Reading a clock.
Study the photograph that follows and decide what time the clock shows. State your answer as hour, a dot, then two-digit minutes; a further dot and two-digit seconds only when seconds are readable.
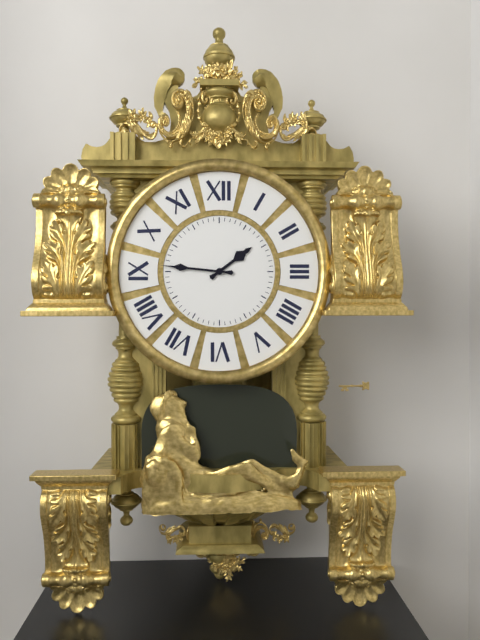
1.46
